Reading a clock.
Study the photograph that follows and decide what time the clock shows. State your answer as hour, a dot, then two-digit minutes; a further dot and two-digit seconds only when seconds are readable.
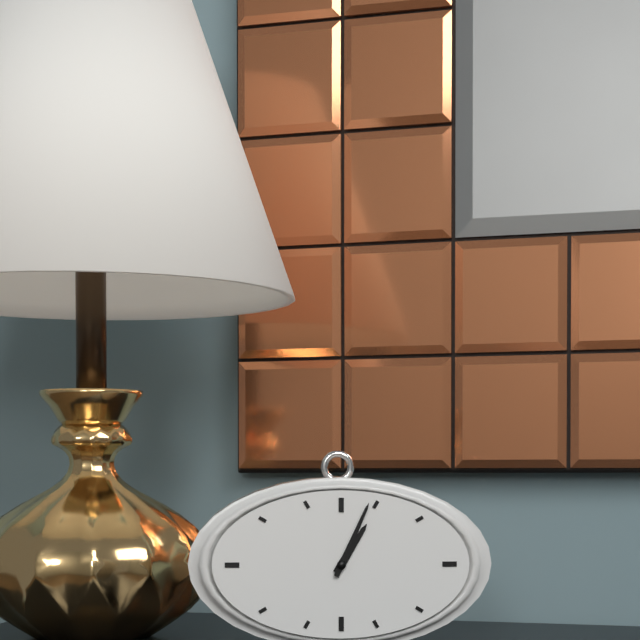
1.04
